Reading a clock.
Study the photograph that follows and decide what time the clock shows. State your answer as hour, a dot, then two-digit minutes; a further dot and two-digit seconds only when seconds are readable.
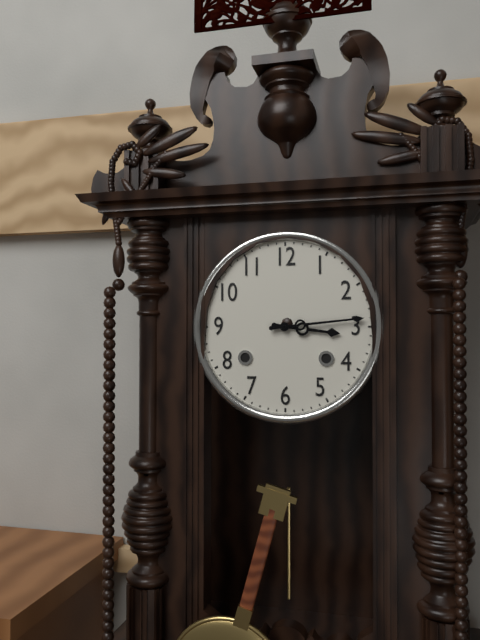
3.14
